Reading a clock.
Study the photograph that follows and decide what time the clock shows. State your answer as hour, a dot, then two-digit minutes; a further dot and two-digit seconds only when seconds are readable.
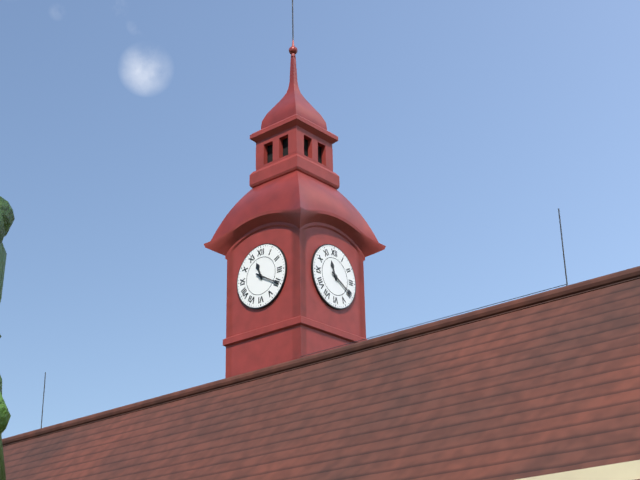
11.20
